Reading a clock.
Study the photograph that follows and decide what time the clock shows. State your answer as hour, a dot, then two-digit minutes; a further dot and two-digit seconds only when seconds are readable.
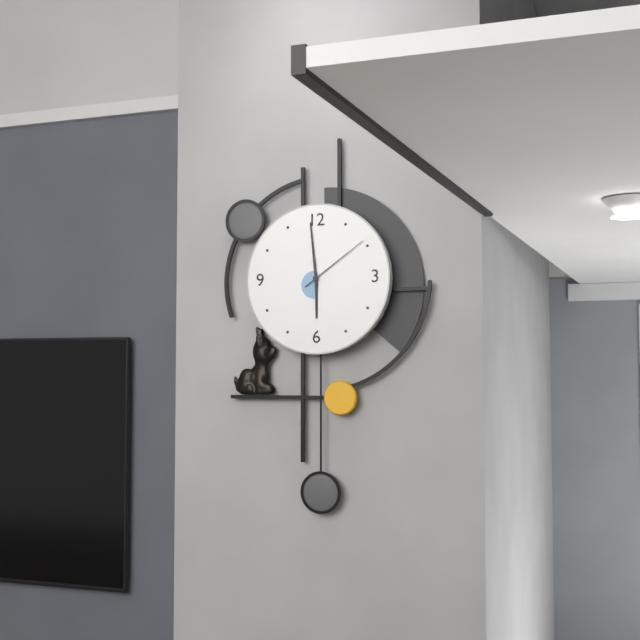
5.59.09
